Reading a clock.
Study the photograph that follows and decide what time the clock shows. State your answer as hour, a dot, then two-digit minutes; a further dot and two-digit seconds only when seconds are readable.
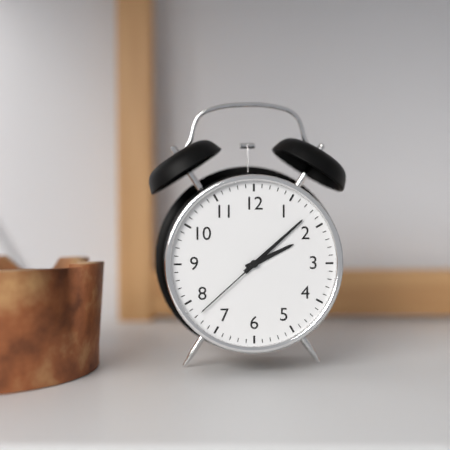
2.08.38
